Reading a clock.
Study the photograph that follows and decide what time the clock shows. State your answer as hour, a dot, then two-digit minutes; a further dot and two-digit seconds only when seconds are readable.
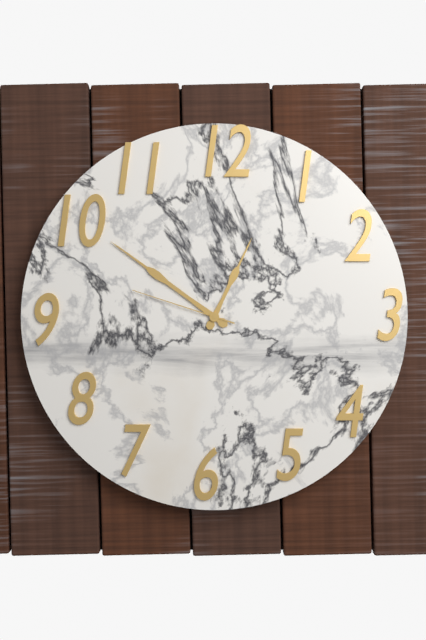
12.51.48
